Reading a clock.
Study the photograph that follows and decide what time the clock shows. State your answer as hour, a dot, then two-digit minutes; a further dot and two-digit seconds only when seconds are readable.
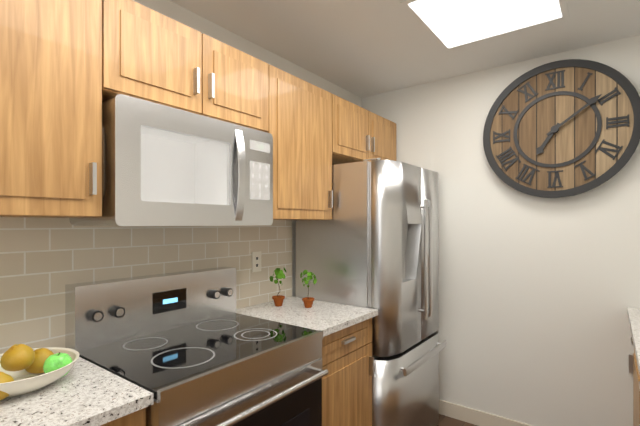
7.09
